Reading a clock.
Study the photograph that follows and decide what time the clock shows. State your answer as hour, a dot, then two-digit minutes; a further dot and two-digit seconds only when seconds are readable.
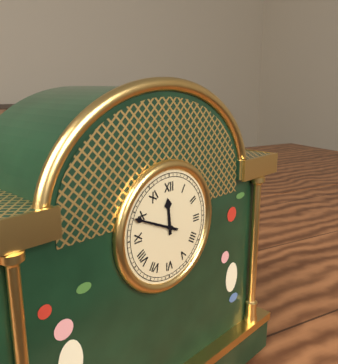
11.49
